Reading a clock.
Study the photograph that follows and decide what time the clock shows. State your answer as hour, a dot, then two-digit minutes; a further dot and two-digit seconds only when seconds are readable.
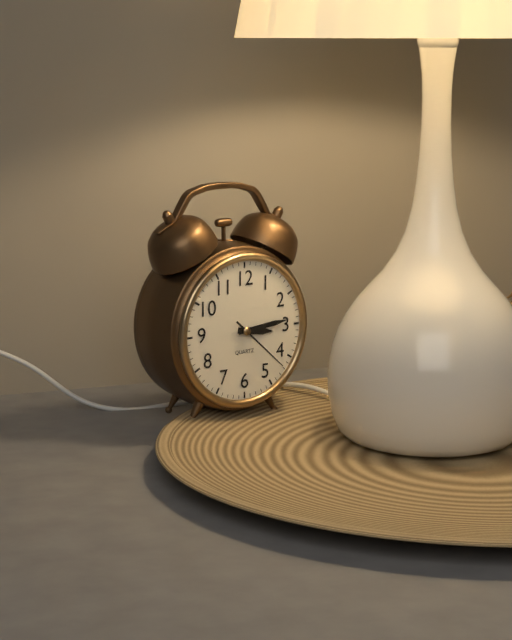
3.14.22
